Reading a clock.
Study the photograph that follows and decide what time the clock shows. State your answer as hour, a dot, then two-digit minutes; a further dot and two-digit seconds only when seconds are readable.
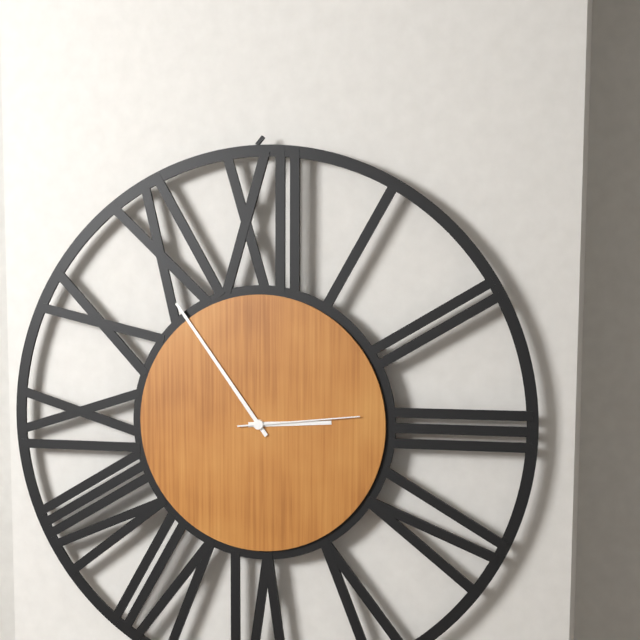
2.54.14
